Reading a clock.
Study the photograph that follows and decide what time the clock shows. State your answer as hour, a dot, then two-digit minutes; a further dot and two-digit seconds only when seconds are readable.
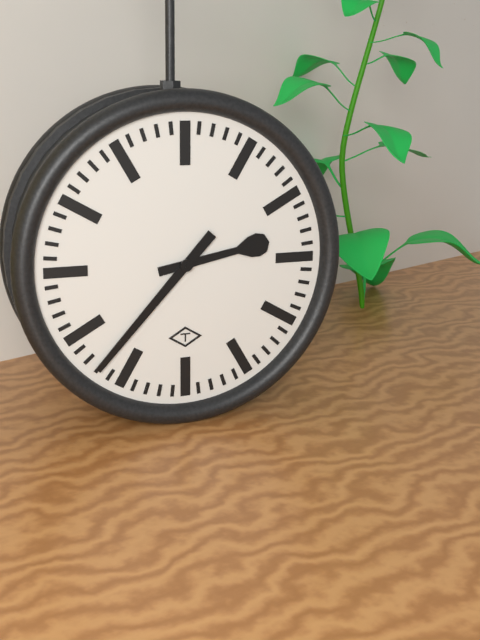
2.37
